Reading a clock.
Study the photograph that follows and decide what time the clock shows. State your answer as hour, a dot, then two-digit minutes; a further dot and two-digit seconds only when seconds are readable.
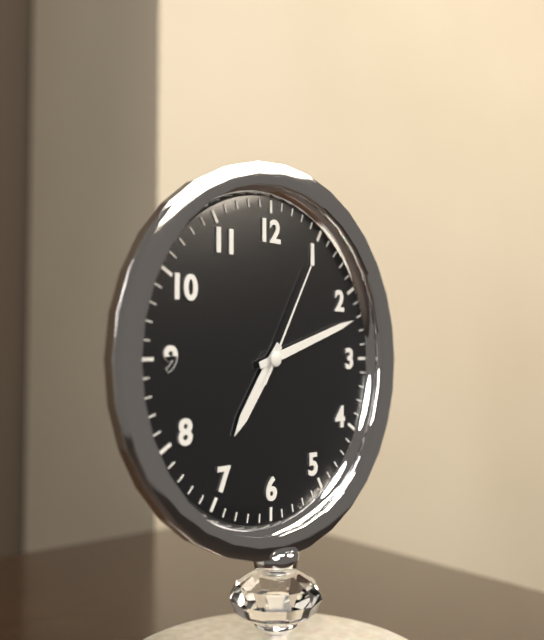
7.12.05
